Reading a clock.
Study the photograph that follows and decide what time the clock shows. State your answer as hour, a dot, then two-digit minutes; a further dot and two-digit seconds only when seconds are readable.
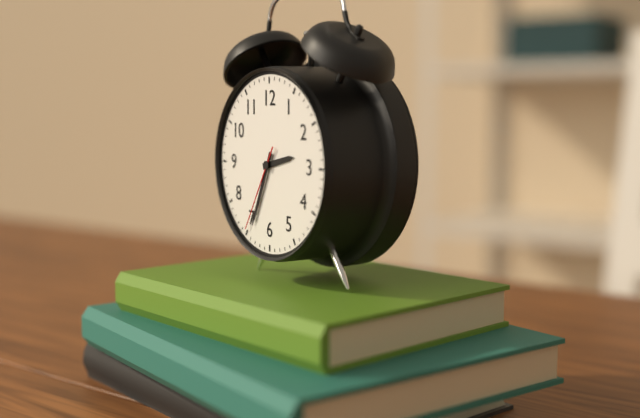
2.34.35
